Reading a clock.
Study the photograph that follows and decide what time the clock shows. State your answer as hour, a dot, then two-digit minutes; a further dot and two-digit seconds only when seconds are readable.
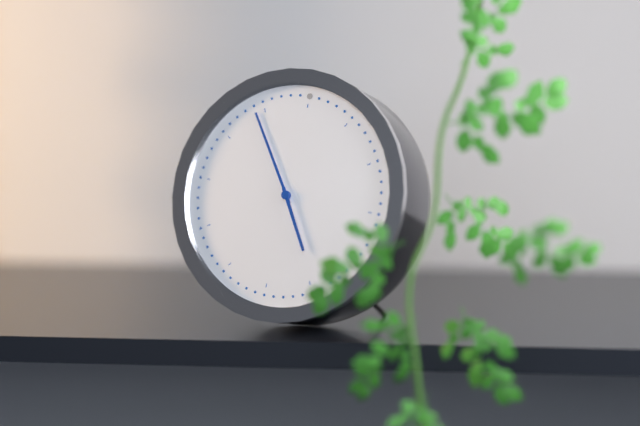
4.54
